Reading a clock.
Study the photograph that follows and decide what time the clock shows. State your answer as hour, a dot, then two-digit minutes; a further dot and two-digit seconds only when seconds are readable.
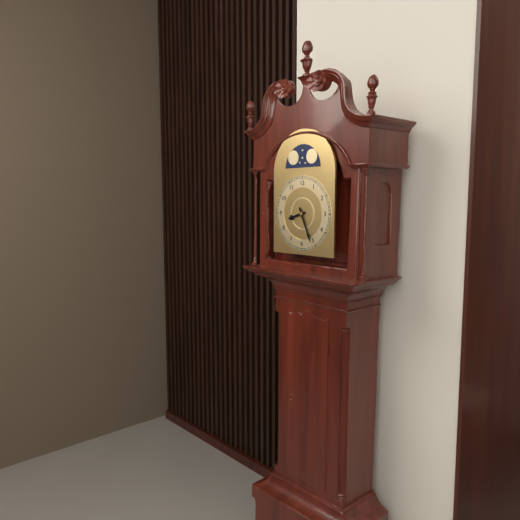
8.26
